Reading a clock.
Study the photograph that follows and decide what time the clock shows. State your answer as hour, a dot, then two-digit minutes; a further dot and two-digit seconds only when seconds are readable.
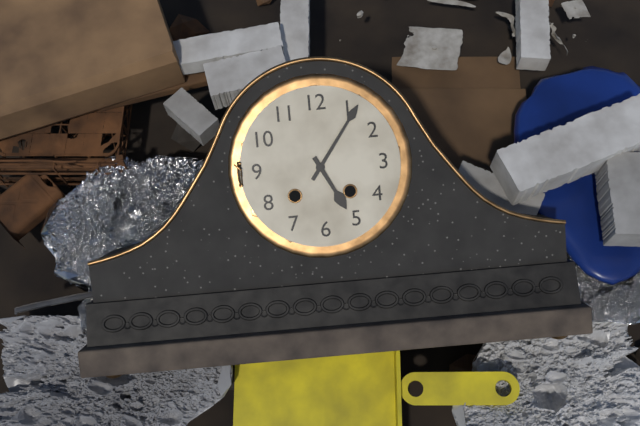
5.06
